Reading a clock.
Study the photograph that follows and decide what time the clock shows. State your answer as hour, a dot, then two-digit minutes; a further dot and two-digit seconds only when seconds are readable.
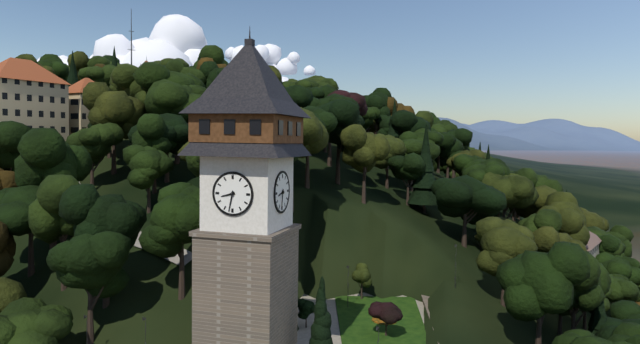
8.32
